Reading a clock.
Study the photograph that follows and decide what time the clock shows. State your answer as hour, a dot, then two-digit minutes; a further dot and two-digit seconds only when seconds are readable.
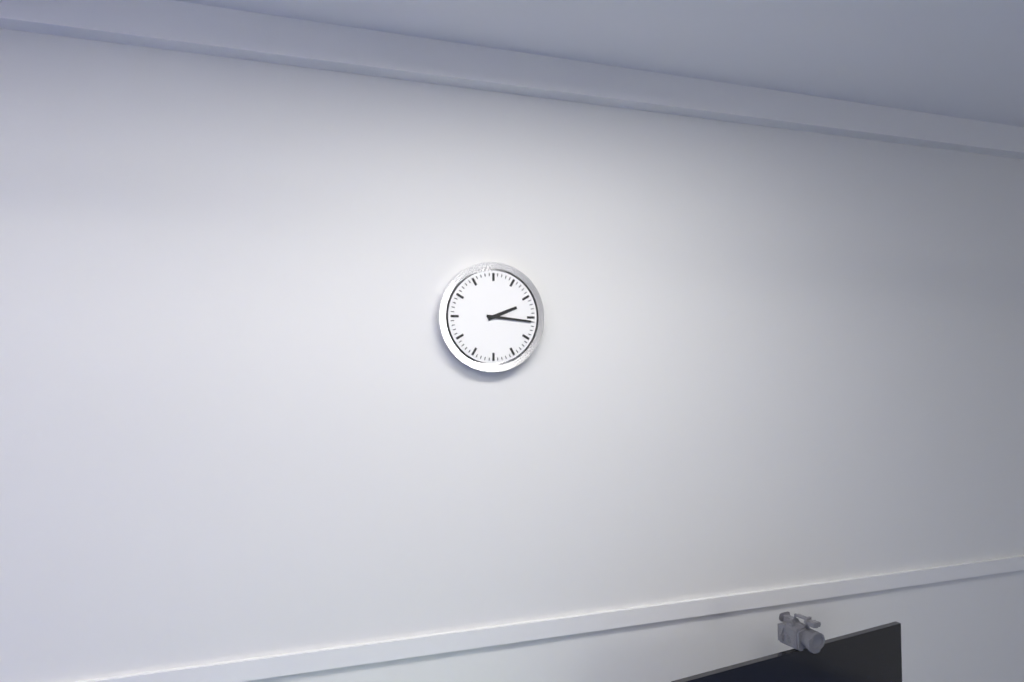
2.16
